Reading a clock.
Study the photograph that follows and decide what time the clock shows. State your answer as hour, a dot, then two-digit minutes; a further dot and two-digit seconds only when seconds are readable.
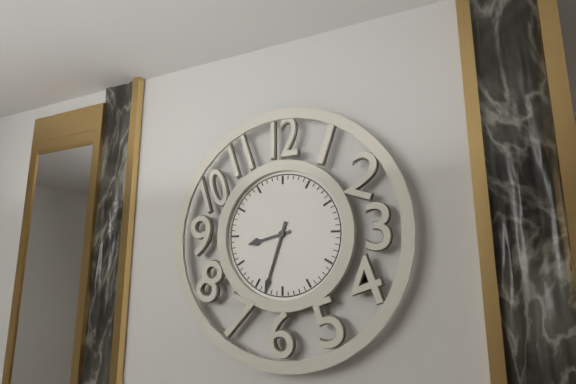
8.33
